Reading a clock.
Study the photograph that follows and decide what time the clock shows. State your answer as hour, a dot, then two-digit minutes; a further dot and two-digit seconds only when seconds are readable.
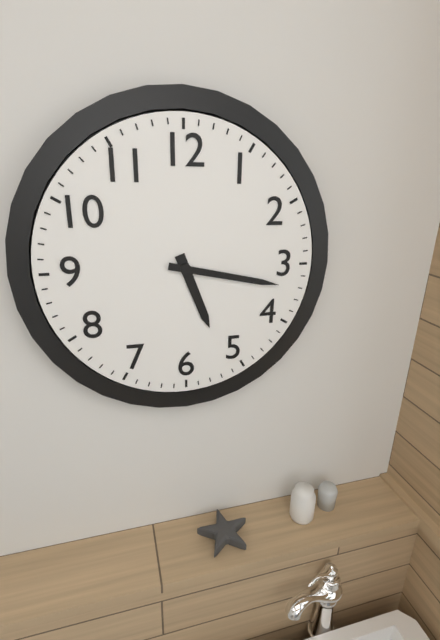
5.17
